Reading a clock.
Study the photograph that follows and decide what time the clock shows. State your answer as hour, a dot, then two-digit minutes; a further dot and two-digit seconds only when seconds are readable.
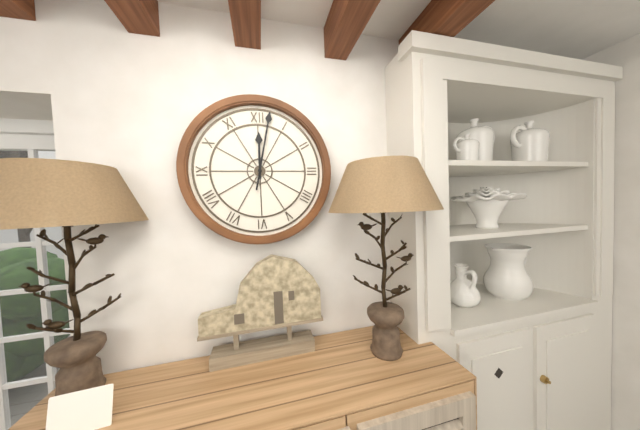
12.02
